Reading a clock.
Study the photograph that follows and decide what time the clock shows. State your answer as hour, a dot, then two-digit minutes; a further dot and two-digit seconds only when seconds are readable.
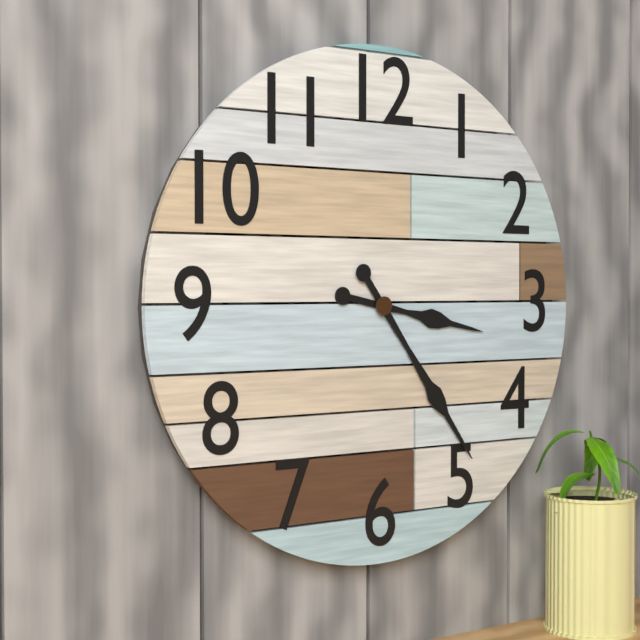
3.24
